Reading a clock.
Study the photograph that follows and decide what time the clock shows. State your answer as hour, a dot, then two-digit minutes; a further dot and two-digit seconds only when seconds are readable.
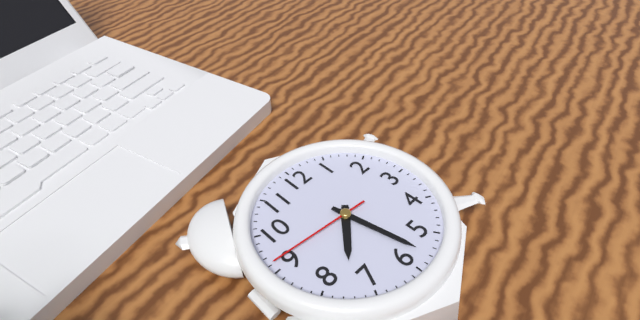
7.28.46
